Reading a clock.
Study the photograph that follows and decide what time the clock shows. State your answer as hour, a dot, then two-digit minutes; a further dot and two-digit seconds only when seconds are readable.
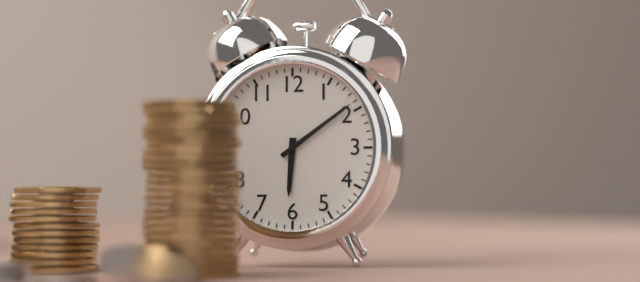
6.09
